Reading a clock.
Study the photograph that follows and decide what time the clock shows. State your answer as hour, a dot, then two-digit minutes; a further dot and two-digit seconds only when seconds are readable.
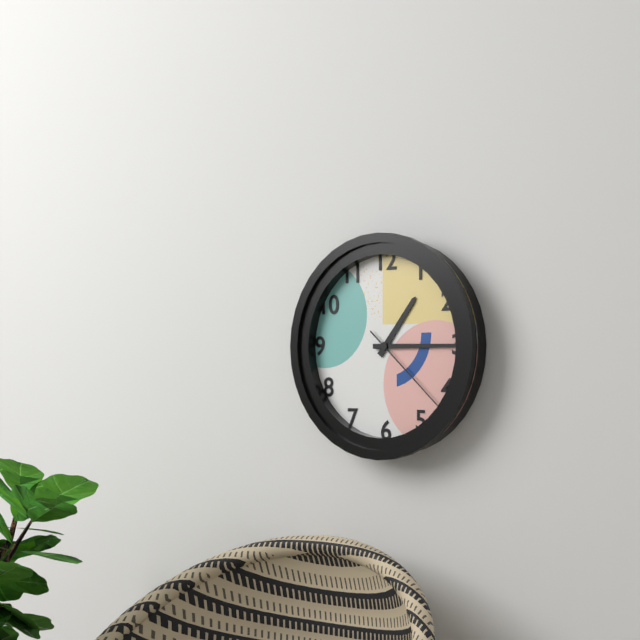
1.15.22
